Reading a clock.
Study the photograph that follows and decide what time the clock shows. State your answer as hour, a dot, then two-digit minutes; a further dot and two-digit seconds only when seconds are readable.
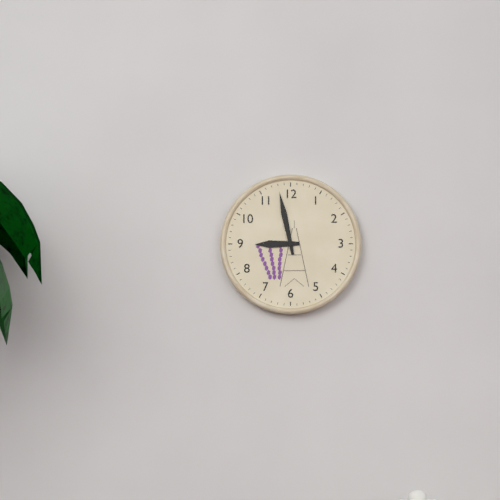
8.58
